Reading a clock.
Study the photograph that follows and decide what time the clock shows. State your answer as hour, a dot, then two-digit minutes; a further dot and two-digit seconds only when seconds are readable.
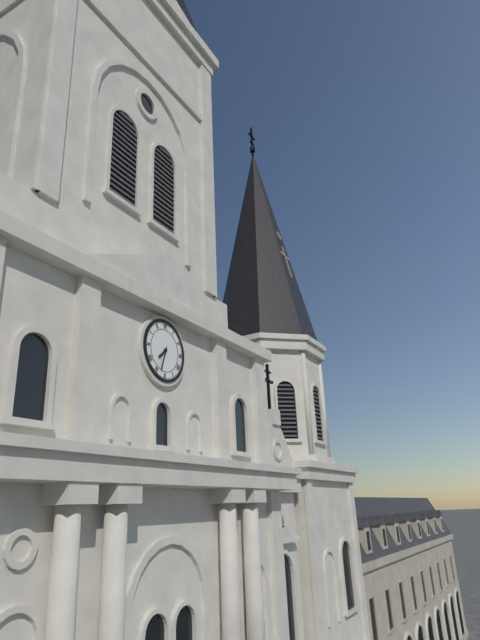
7.33
